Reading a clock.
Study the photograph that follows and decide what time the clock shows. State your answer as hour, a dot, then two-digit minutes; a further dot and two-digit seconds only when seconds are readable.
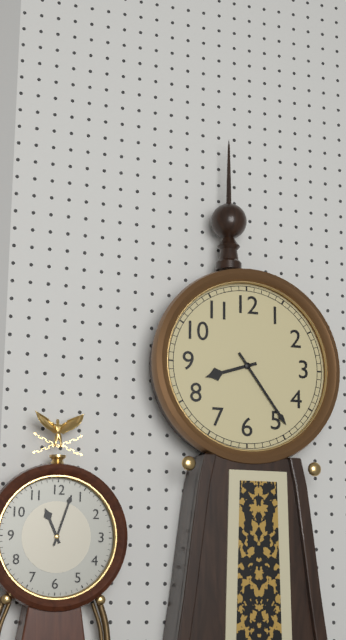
8.24
